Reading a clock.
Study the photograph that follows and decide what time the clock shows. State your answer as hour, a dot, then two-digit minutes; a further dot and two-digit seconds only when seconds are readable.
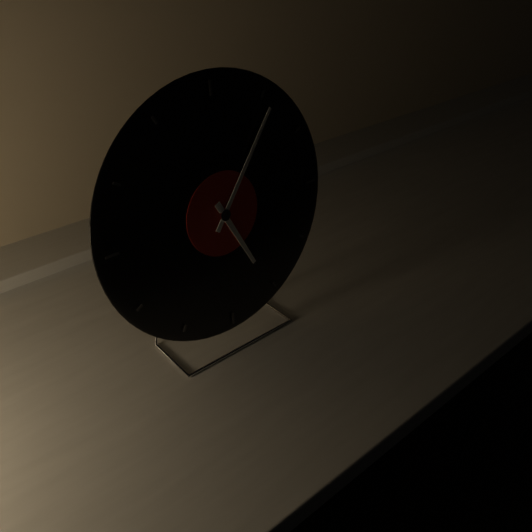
5.06
